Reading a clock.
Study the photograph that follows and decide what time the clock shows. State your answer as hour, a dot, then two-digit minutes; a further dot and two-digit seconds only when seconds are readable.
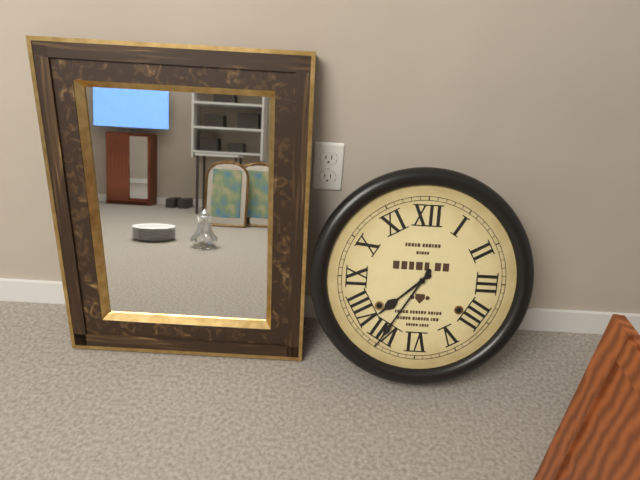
7.35
